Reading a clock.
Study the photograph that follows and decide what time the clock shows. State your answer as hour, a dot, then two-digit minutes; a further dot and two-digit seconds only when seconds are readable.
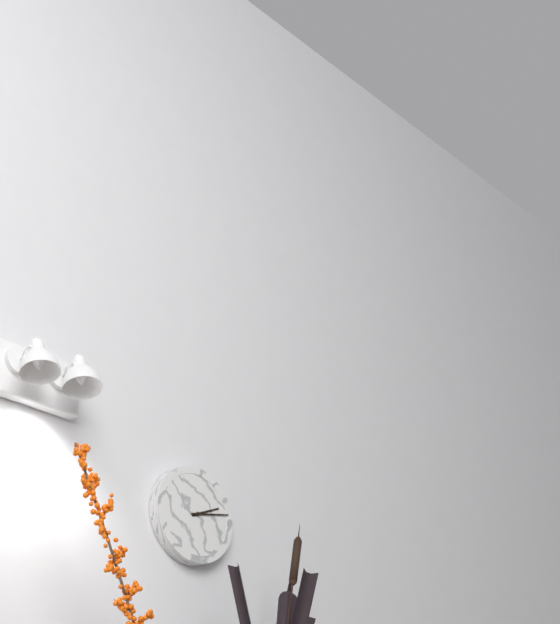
2.13
